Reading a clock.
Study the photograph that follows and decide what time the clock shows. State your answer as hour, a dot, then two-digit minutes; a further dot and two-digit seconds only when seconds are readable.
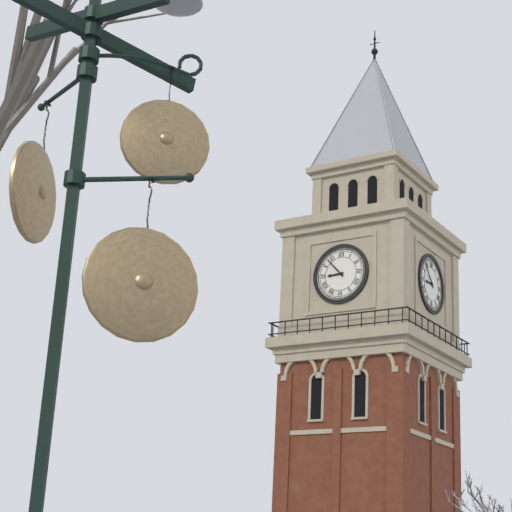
8.53
